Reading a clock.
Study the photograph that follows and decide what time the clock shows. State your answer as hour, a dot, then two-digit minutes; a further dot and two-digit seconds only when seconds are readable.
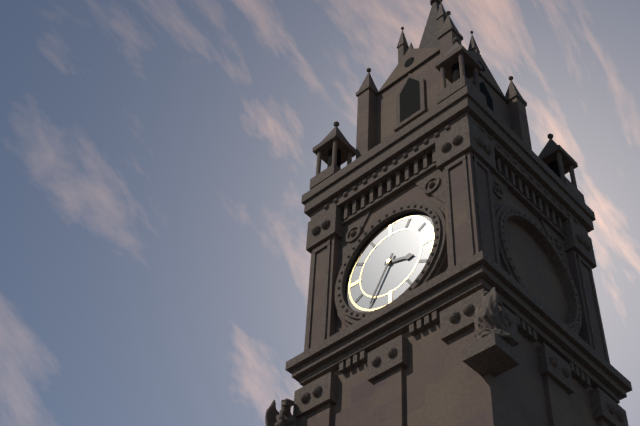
3.35
